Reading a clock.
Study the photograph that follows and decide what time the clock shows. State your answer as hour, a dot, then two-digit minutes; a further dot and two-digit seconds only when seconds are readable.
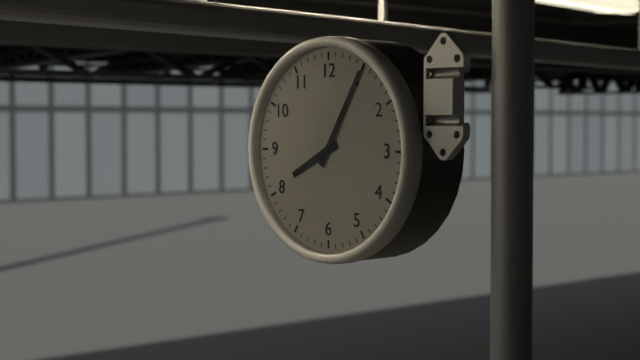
8.05
